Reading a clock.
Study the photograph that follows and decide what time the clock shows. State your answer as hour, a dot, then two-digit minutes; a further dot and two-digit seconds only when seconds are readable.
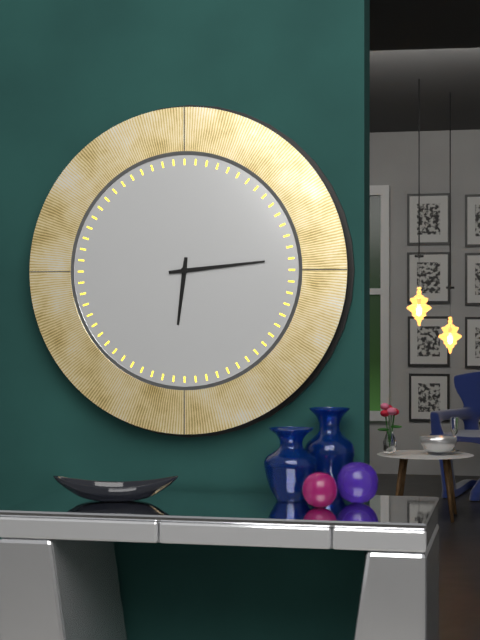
6.14
